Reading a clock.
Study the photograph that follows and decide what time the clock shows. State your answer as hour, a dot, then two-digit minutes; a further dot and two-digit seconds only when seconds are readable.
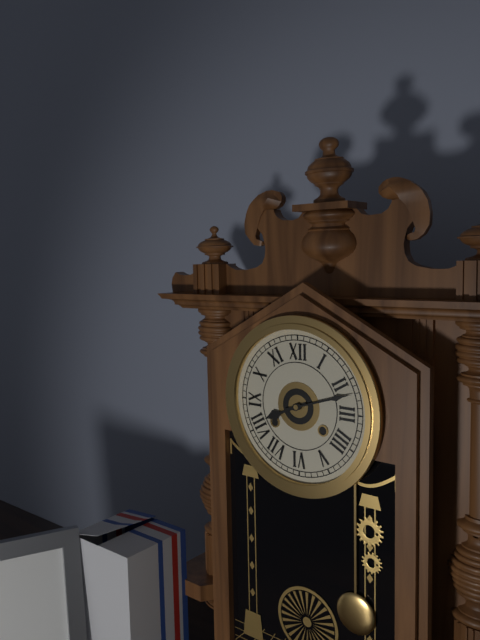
8.12
